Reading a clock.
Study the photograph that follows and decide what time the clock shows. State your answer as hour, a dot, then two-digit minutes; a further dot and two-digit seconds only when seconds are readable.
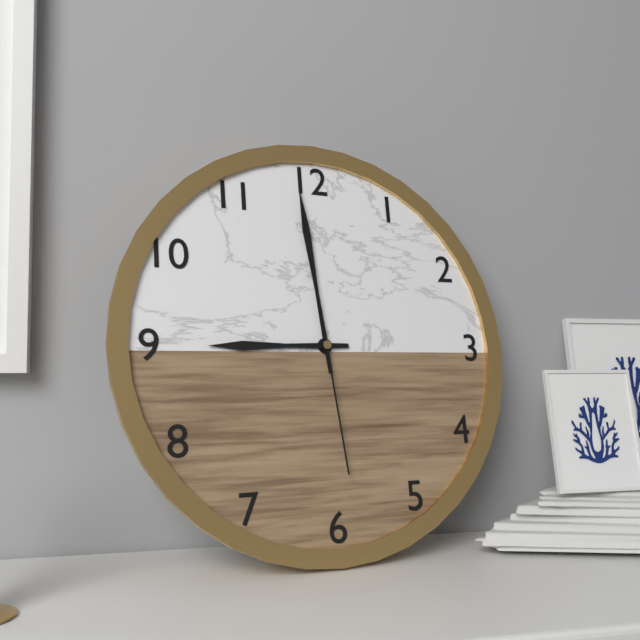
8.59.59
